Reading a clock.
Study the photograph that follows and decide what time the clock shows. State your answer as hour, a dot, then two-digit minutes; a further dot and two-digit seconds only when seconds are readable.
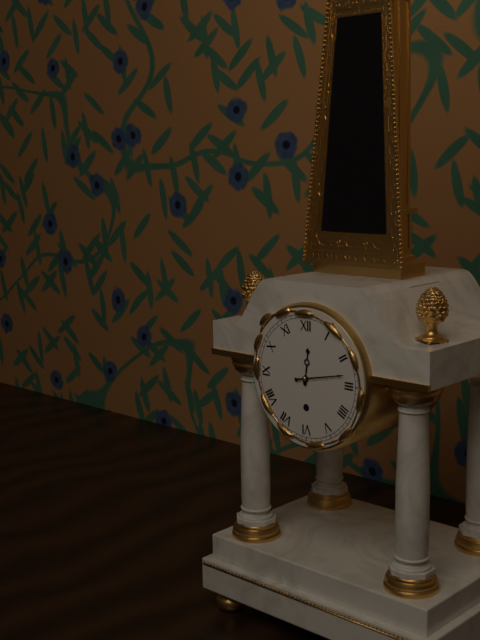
12.13
